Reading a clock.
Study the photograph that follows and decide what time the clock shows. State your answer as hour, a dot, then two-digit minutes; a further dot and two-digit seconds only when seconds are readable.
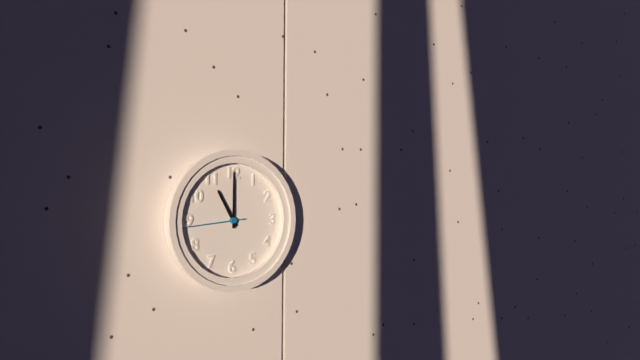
11.00.44
